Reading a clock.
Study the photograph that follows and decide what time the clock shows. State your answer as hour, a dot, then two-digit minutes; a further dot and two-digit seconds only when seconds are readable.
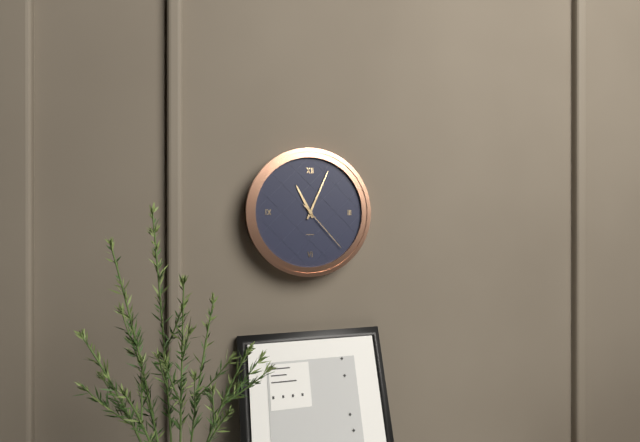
11.04.23
